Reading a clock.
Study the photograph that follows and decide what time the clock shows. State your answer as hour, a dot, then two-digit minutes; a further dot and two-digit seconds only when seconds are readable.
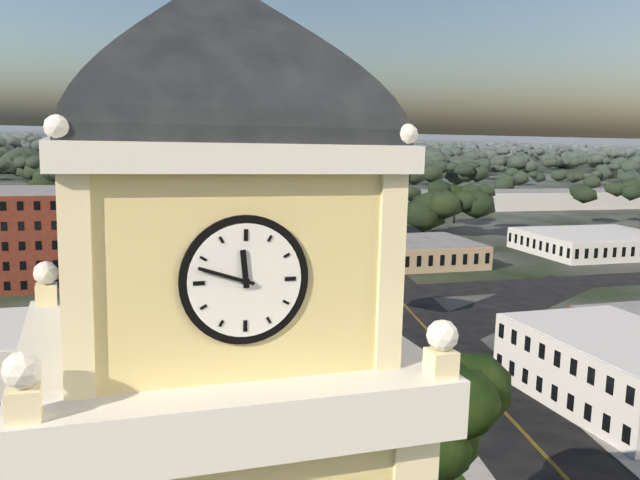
11.48
